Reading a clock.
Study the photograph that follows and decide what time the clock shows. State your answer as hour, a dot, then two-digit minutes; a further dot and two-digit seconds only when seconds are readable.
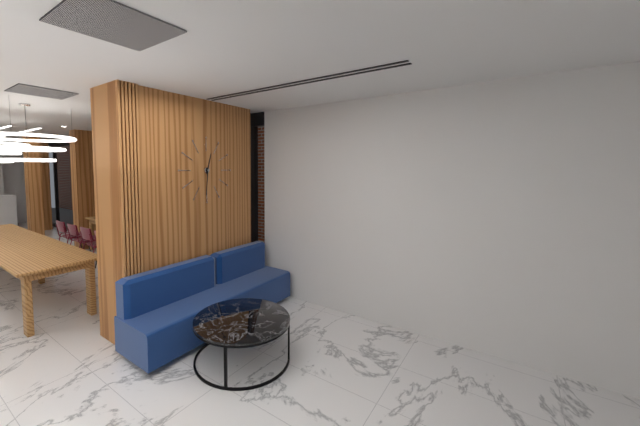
12.31
